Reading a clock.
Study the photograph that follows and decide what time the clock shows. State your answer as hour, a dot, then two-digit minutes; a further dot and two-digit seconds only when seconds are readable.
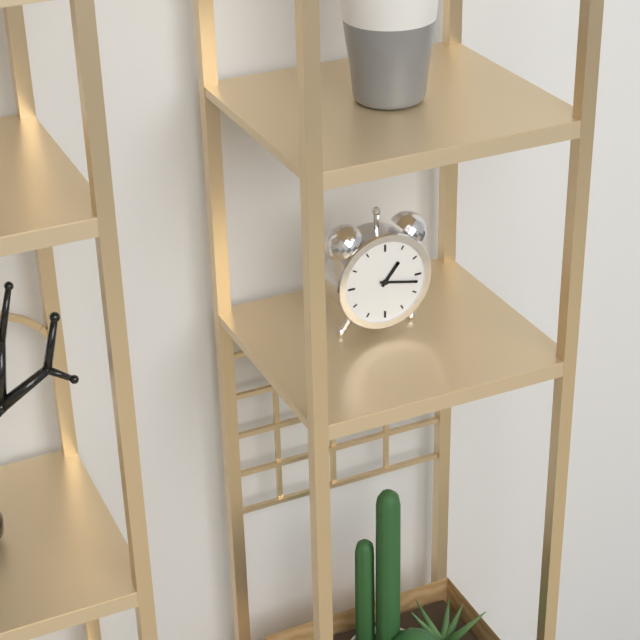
1.17
